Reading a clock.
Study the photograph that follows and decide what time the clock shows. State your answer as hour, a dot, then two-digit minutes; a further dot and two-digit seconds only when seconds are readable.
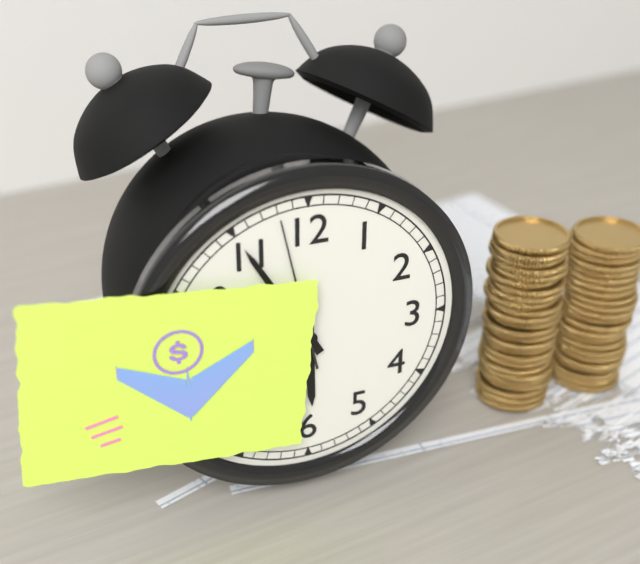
5.55.58
